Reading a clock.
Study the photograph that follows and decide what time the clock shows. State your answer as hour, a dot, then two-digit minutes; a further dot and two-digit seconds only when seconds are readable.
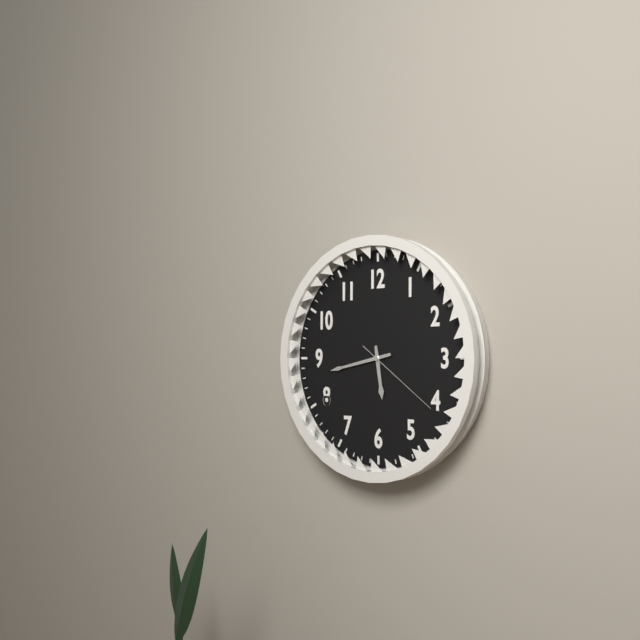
5.43.21
